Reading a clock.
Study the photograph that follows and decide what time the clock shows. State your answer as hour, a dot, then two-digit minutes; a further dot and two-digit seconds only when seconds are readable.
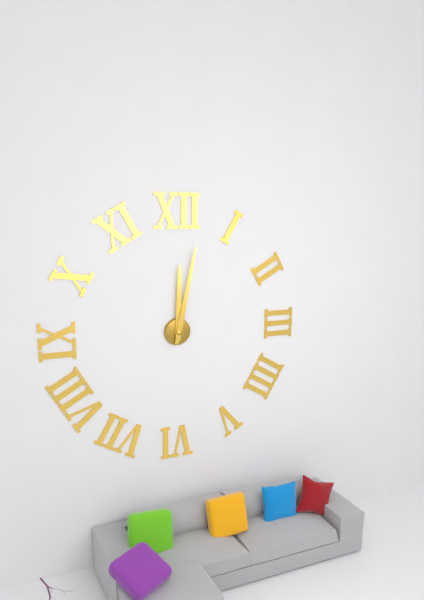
12.02
